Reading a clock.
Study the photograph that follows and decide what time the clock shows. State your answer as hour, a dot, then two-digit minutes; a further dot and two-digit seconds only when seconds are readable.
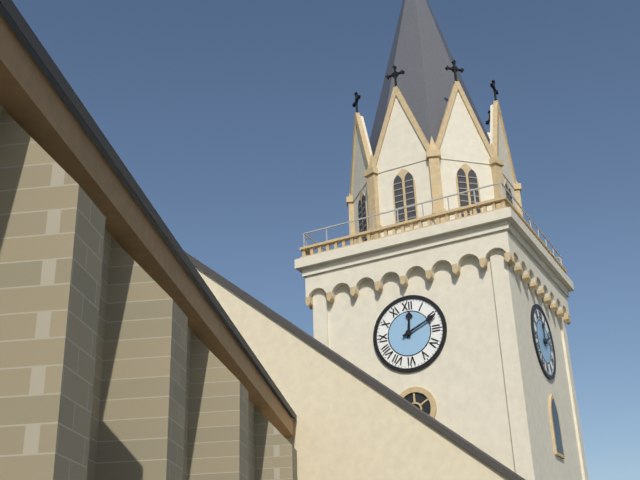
12.11
